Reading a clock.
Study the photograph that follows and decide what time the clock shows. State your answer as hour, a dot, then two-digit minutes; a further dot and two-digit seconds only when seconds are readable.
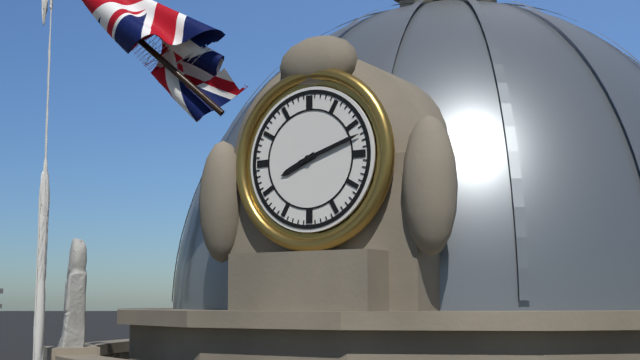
8.12
